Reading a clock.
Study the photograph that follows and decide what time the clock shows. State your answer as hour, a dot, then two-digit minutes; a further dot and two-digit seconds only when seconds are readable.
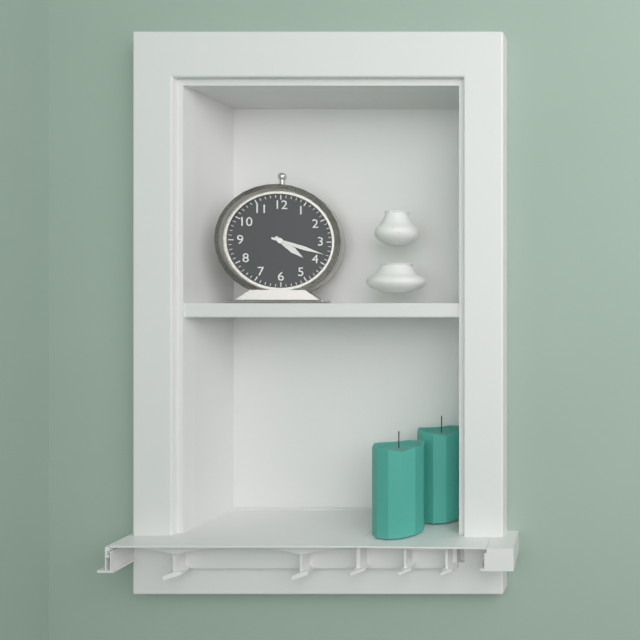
4.18
